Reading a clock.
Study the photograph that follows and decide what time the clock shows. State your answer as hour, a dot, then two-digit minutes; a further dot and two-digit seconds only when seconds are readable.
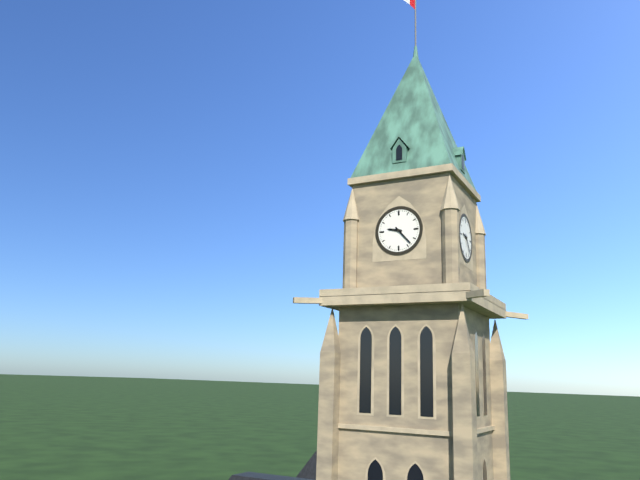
9.23
